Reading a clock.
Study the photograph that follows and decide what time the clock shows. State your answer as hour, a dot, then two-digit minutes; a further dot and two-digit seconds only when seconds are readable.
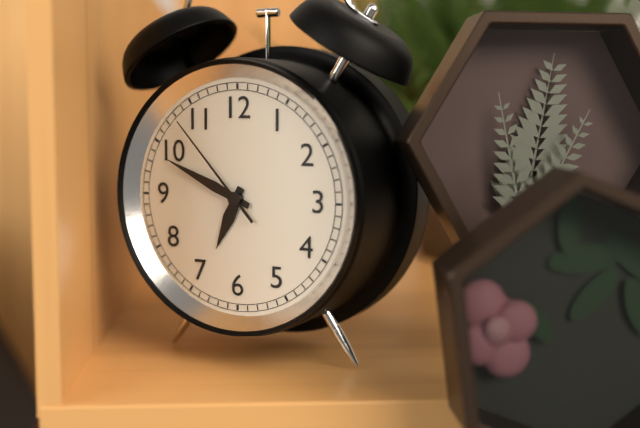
6.49.53
